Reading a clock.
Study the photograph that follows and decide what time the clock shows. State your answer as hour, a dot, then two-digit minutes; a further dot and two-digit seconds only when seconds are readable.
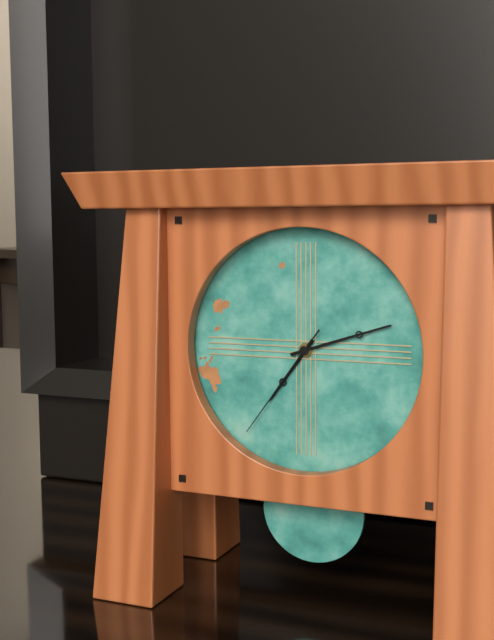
7.12.36
